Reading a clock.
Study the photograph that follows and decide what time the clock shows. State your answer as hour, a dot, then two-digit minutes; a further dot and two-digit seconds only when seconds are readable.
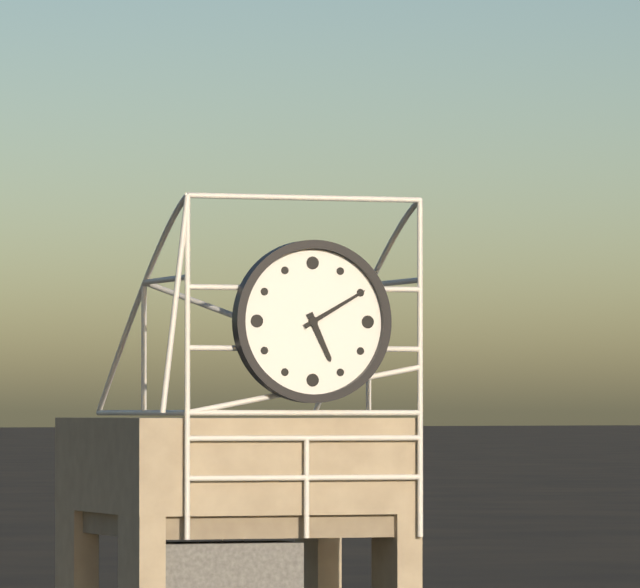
5.10
